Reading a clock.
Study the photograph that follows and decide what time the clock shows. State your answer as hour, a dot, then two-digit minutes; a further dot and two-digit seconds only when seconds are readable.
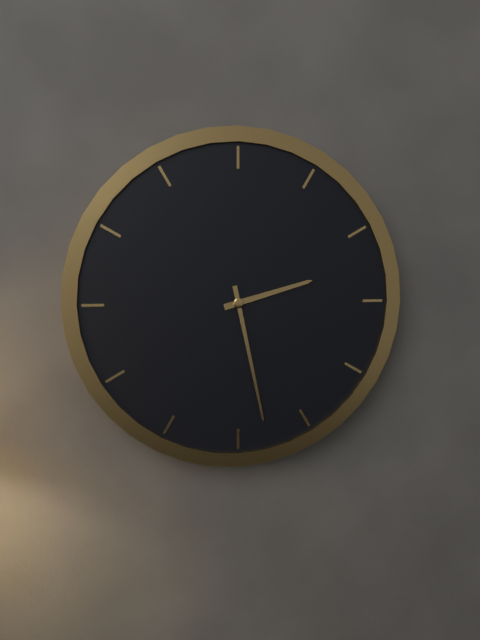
2.28
